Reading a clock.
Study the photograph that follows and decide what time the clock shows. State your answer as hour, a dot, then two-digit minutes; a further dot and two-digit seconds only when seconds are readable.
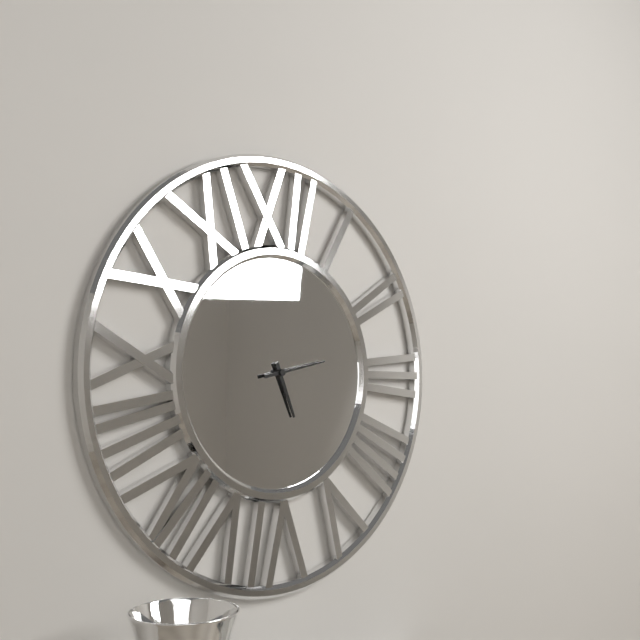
5.13
